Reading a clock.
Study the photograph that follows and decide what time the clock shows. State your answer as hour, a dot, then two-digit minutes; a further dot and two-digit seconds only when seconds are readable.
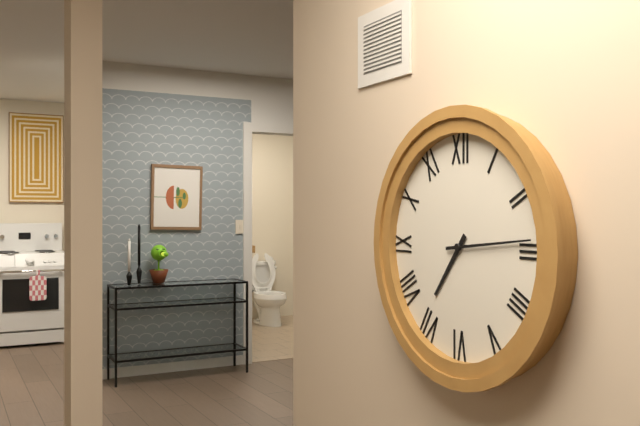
7.14
